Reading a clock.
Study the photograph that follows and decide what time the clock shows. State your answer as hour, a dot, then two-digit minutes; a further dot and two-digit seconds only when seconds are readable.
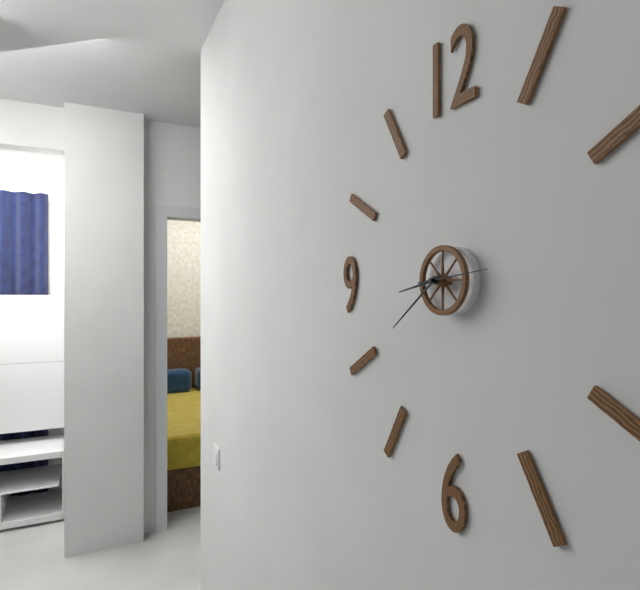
8.39.14
